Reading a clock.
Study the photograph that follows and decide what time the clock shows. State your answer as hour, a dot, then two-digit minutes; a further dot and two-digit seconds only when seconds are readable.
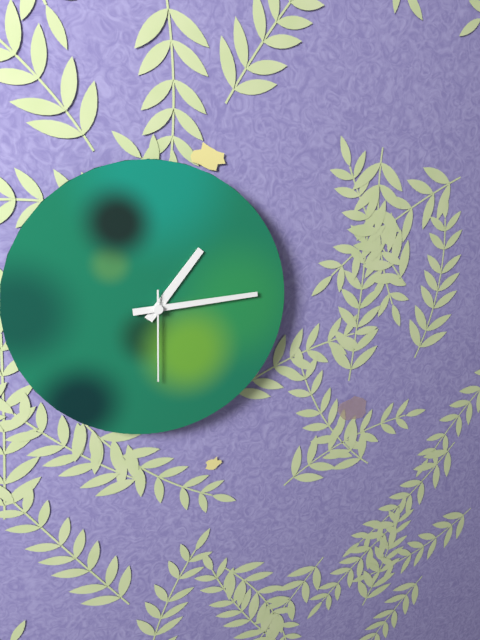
1.14.30
